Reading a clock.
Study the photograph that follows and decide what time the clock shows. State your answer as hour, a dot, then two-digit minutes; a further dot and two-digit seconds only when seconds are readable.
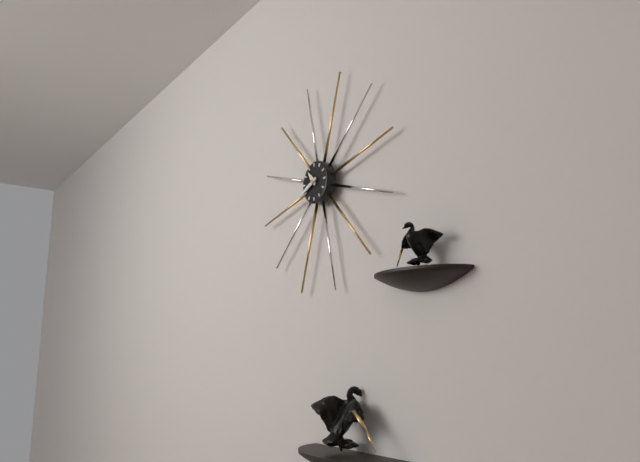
10.41
